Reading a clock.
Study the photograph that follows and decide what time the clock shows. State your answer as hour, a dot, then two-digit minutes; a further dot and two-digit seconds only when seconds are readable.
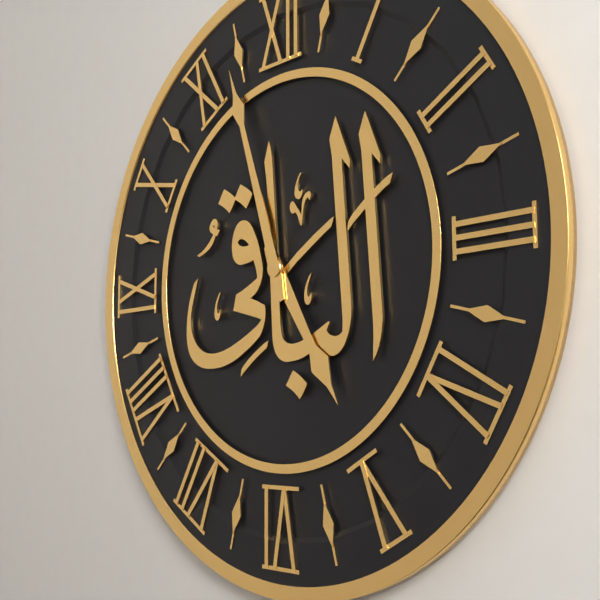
4.57
